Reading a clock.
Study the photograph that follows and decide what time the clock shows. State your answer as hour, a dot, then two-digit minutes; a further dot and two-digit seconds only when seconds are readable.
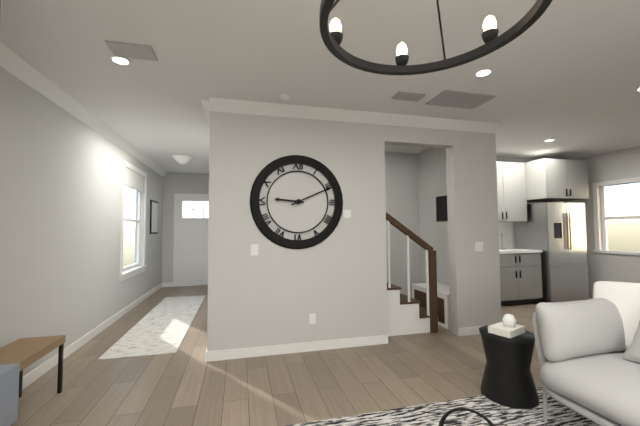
9.11
